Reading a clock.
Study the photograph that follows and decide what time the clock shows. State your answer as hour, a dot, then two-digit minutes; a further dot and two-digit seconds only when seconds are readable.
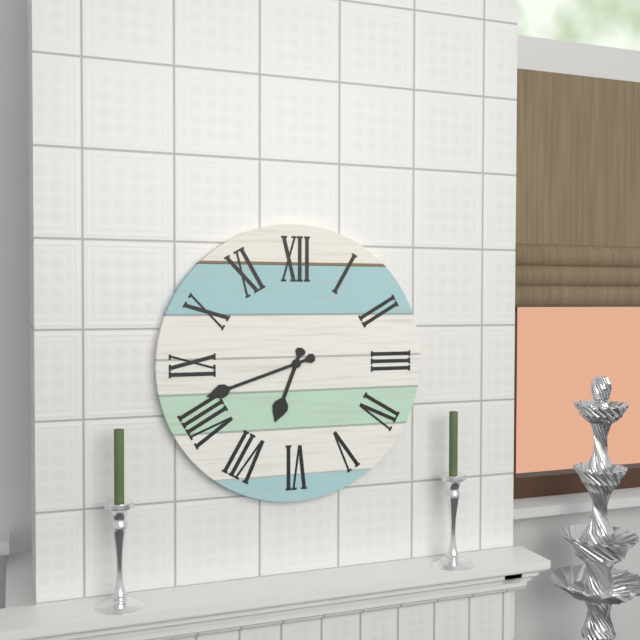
6.42
